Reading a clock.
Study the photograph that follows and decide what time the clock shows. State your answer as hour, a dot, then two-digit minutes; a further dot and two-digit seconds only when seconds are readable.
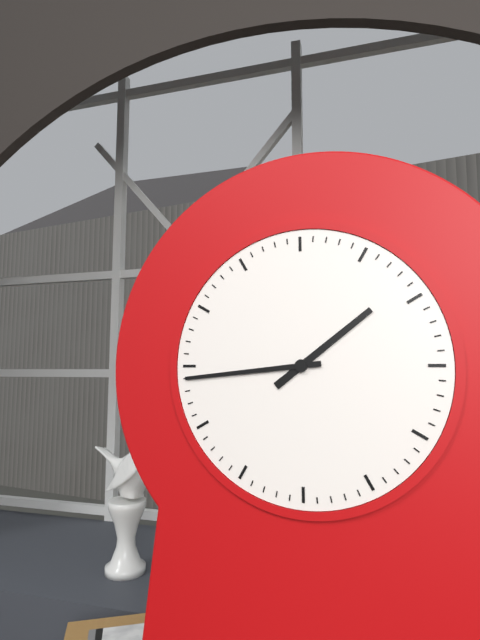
1.44
